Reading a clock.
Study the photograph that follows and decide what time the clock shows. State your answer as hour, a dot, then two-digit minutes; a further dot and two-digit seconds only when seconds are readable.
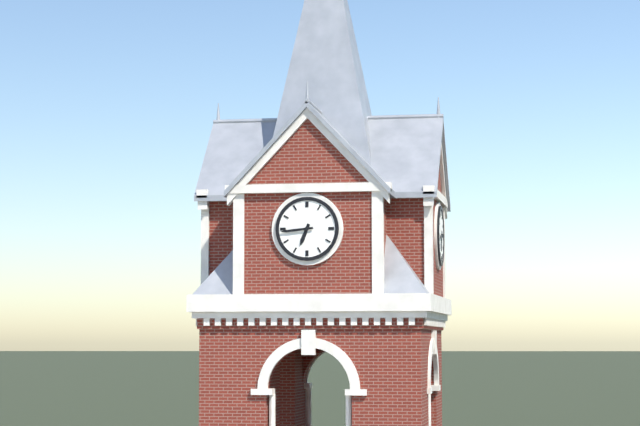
6.44
